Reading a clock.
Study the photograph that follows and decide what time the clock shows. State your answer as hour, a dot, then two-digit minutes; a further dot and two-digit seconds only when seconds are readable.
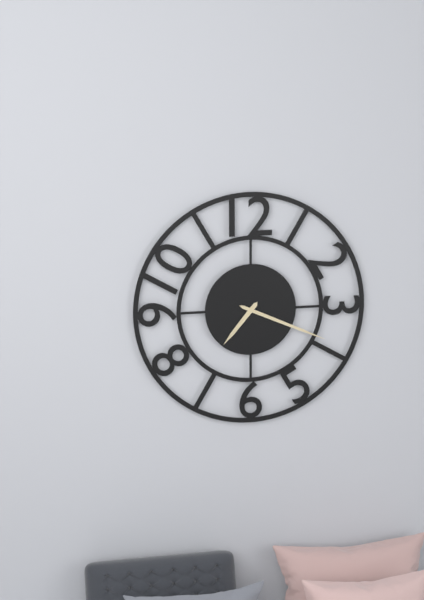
7.19
